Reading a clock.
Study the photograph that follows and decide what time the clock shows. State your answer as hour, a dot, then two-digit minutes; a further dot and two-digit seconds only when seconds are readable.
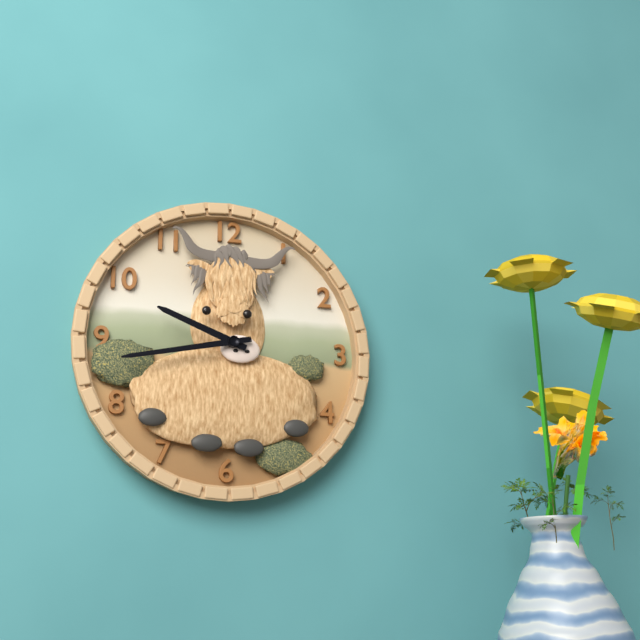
9.43
